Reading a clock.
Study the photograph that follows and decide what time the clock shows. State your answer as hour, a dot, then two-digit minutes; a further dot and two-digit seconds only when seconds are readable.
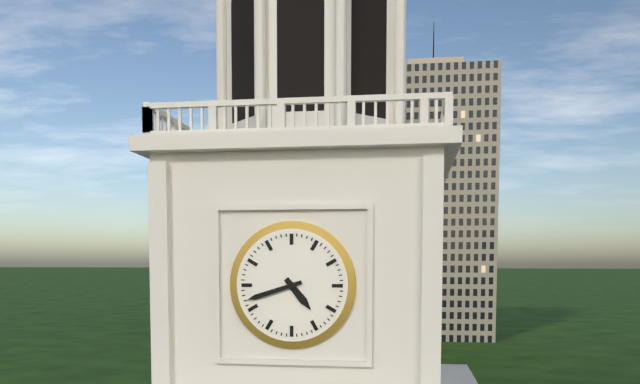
4.42
